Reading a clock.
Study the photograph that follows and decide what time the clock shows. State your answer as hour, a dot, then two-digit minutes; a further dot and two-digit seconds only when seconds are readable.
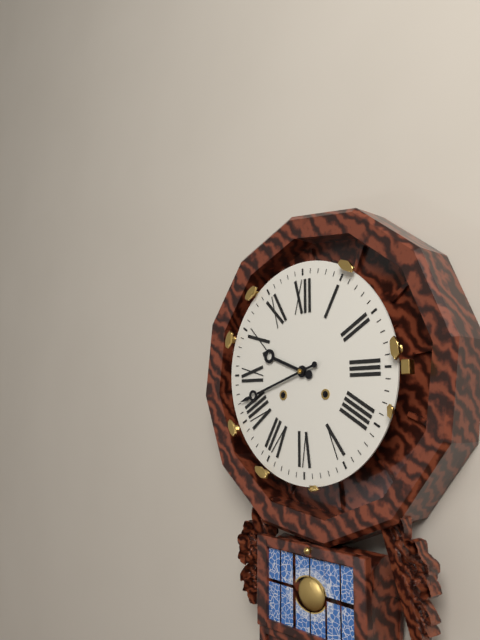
9.42
